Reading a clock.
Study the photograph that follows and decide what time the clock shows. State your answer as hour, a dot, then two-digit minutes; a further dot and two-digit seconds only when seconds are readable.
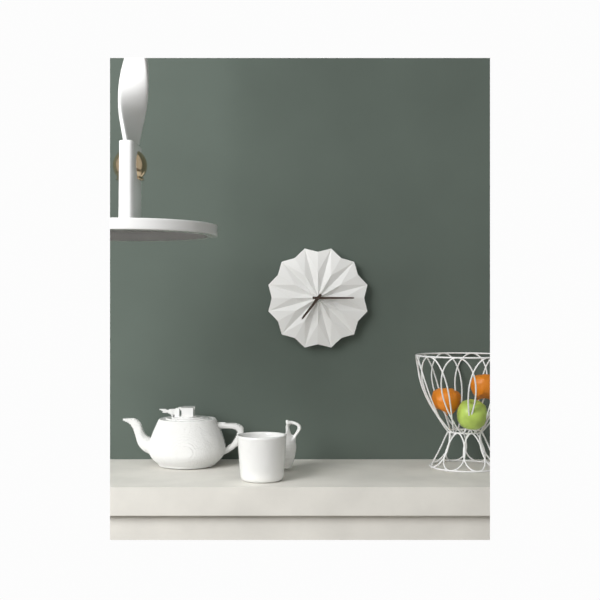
7.15
